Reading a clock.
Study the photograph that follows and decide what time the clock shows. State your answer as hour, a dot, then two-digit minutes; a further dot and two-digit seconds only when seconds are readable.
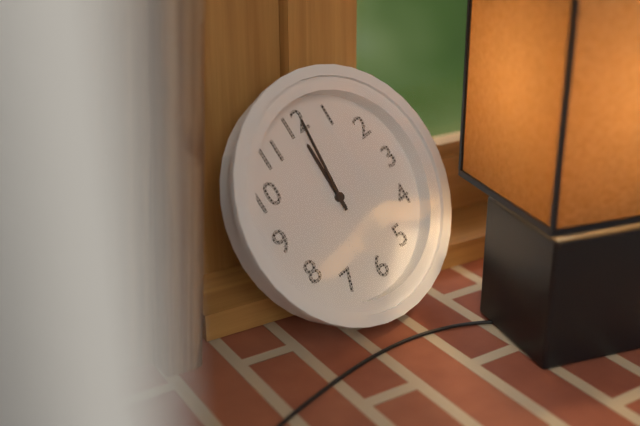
12.01
